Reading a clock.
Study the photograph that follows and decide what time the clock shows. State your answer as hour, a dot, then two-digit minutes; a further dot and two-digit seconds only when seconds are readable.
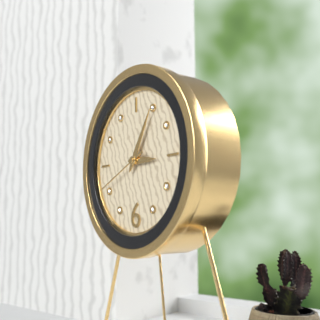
3.05.41
